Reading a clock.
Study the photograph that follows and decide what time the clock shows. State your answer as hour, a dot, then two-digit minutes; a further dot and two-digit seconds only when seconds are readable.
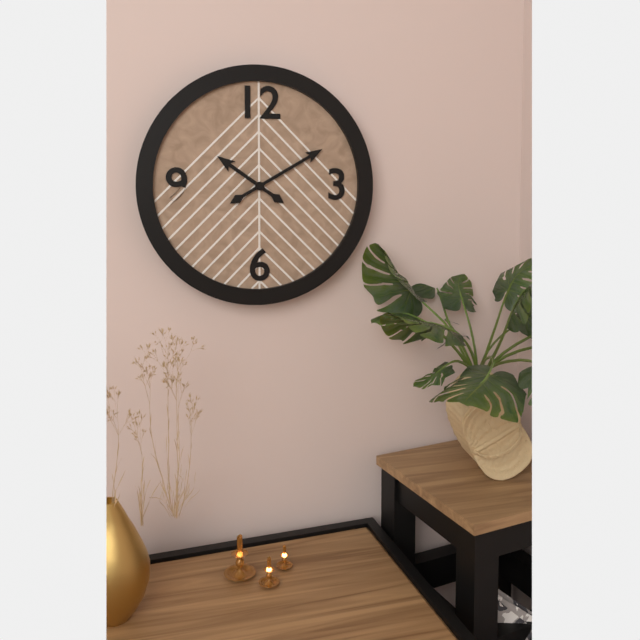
10.10
